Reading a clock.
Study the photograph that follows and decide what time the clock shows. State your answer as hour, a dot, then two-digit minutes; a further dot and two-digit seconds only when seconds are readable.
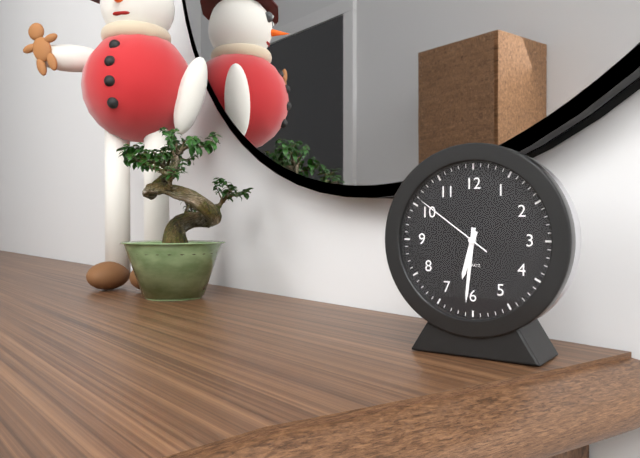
6.31.51
